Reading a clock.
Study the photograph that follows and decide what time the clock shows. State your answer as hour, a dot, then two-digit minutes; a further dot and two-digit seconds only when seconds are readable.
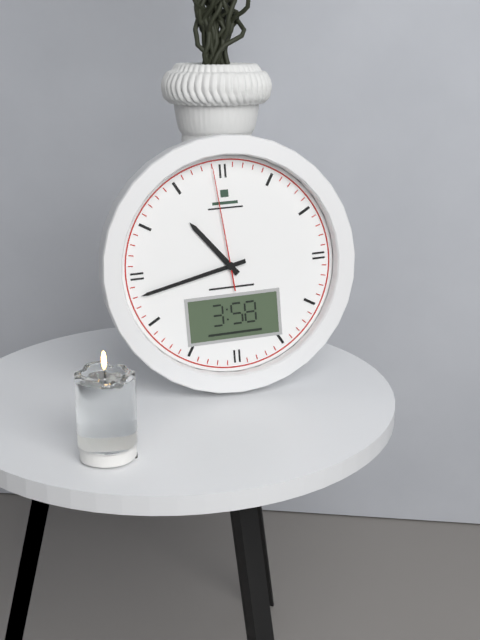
10.43.59
